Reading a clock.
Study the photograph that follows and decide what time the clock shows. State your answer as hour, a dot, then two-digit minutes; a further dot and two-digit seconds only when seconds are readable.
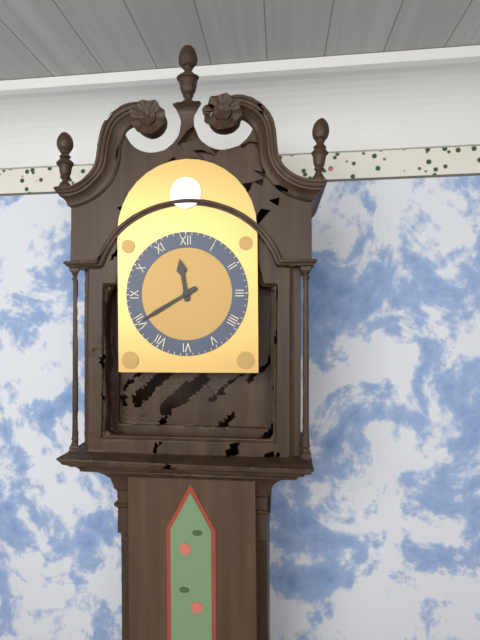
11.40
